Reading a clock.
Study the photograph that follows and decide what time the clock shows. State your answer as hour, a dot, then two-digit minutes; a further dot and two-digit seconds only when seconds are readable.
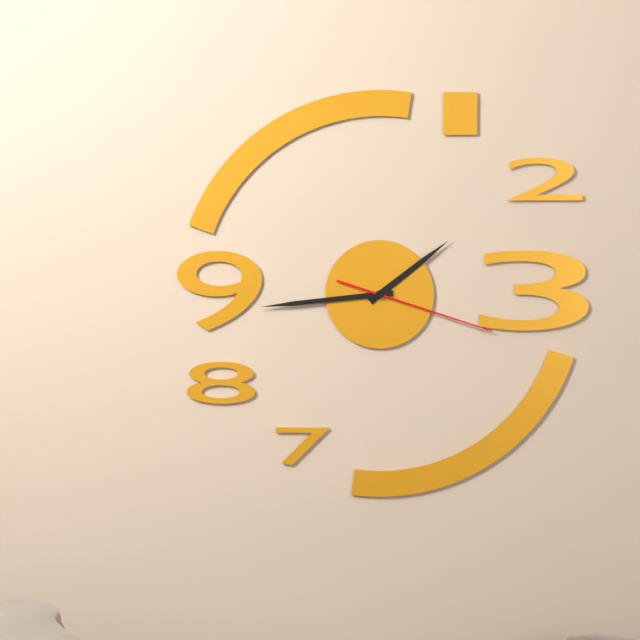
1.44.18
